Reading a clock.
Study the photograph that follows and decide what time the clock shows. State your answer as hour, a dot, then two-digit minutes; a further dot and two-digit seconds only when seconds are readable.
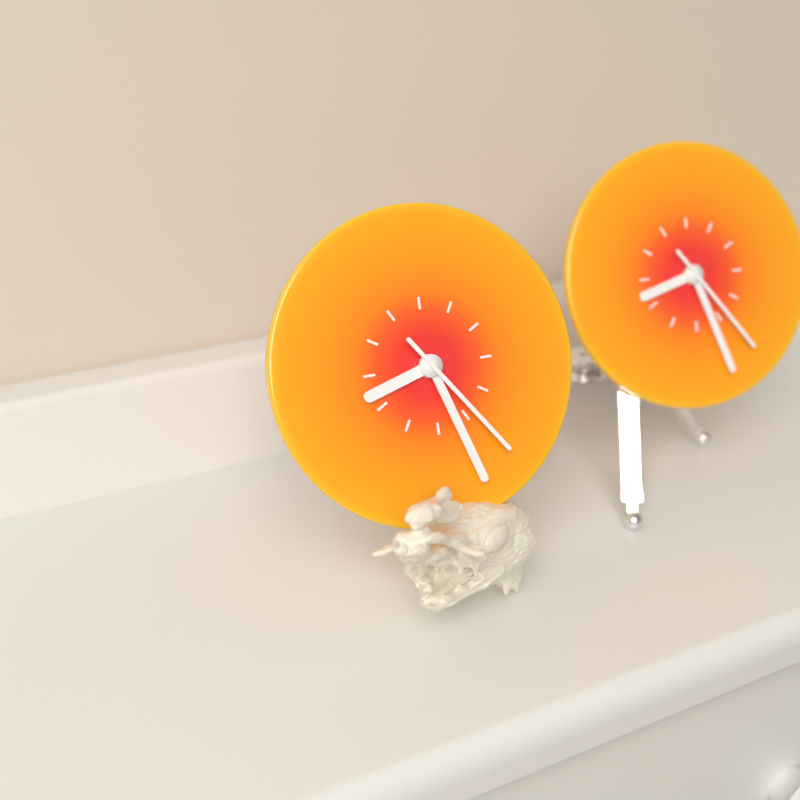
8.27.24
